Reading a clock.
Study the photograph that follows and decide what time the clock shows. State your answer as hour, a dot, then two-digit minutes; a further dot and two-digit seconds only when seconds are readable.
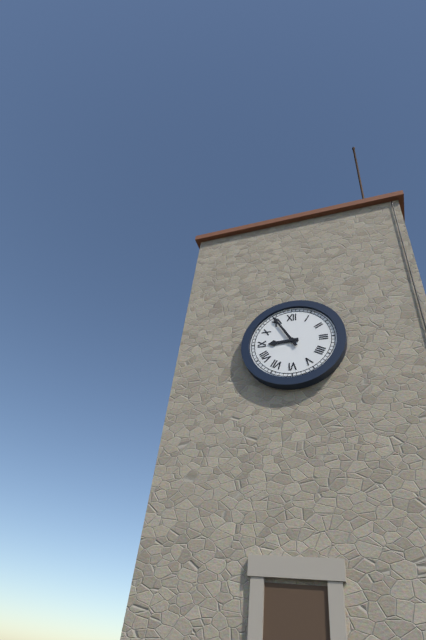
8.55
